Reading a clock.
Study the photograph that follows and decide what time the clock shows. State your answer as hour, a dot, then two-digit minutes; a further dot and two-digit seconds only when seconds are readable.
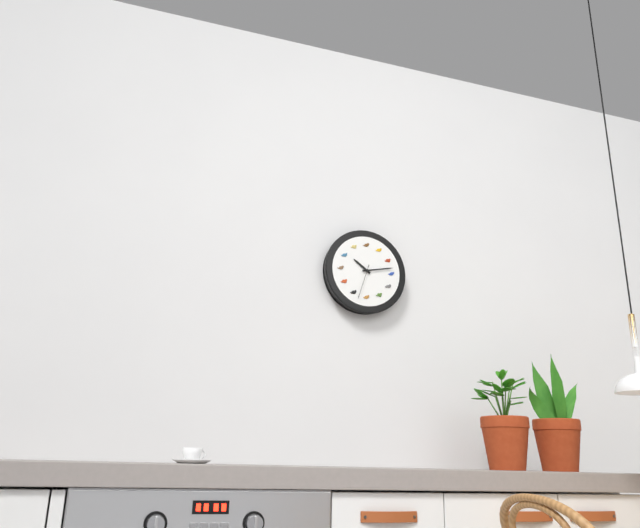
10.13
